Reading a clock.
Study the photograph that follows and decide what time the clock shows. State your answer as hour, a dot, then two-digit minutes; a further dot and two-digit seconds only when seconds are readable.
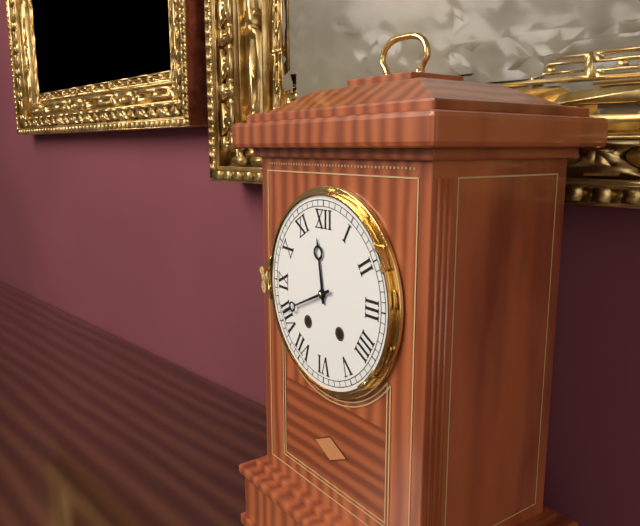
11.41
